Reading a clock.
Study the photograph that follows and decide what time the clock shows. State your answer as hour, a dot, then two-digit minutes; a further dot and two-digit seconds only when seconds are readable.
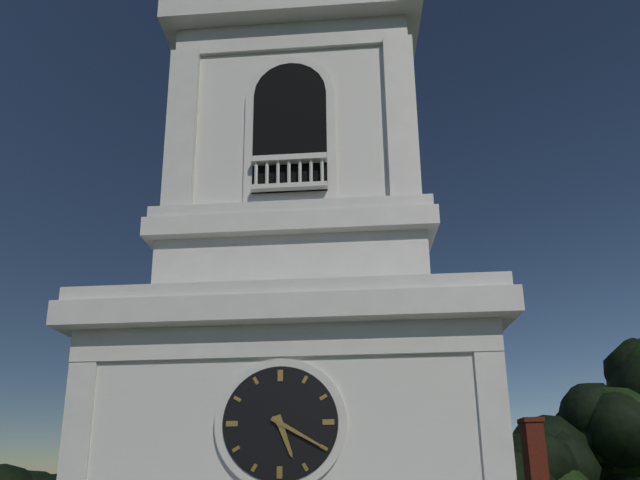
5.20
